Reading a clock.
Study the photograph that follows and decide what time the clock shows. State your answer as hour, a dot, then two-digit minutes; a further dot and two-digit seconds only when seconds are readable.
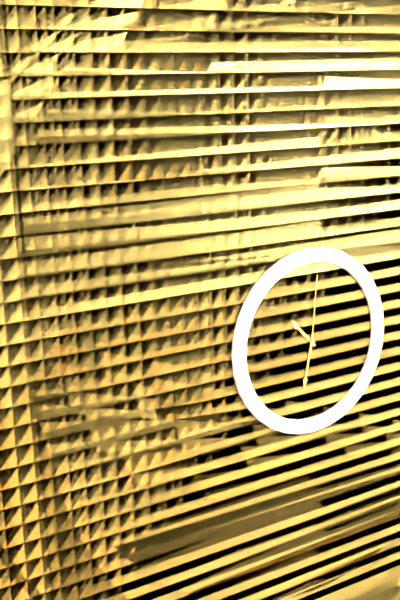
10.32.01
